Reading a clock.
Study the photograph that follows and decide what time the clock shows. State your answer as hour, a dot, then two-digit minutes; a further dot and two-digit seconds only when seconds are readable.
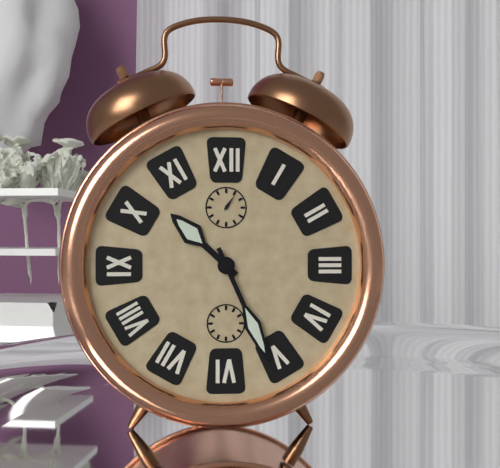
10.26
